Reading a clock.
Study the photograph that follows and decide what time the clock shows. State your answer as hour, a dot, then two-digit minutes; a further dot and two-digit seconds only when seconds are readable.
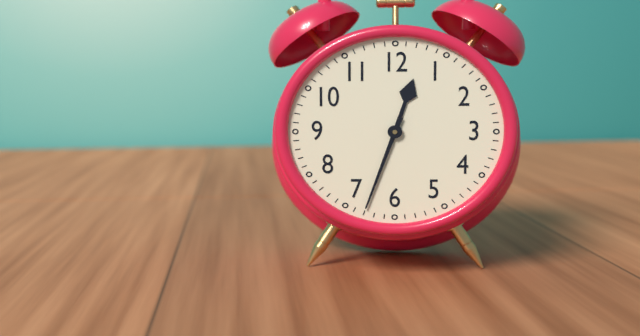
12.33
